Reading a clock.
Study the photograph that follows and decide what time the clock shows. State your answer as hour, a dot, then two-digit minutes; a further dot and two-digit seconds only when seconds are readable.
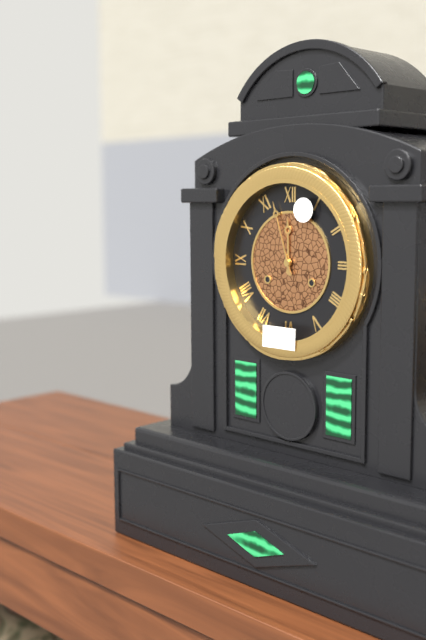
11.57
